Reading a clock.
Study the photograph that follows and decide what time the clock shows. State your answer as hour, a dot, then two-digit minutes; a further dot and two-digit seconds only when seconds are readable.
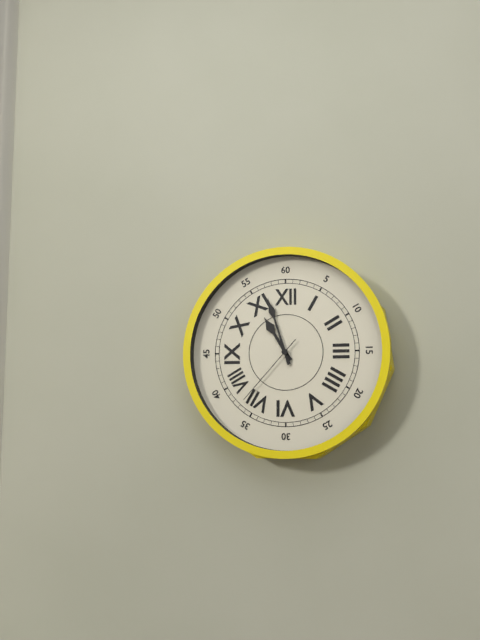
10.57.37
